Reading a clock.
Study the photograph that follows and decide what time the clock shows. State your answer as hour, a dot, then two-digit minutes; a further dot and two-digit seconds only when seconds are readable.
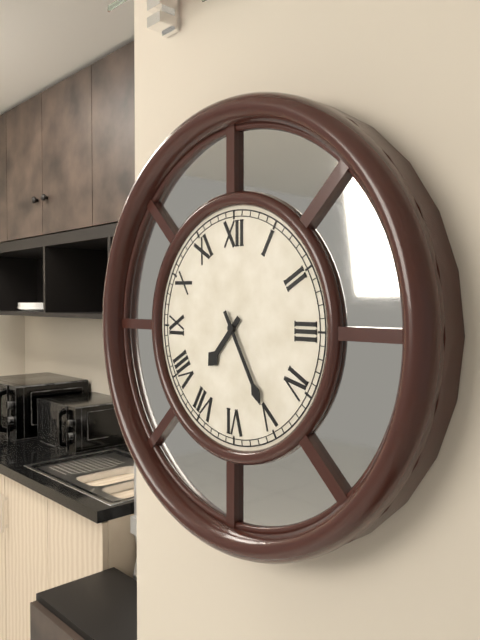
7.25
